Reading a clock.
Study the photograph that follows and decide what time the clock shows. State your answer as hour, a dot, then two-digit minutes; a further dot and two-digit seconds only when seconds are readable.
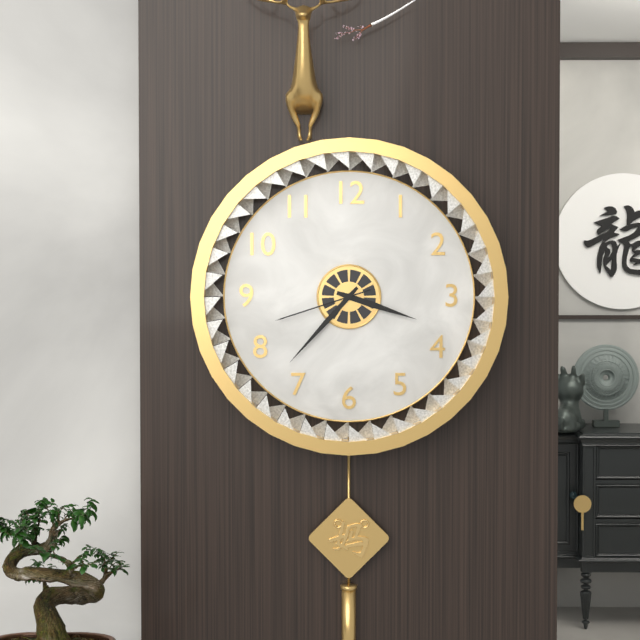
3.37.42
